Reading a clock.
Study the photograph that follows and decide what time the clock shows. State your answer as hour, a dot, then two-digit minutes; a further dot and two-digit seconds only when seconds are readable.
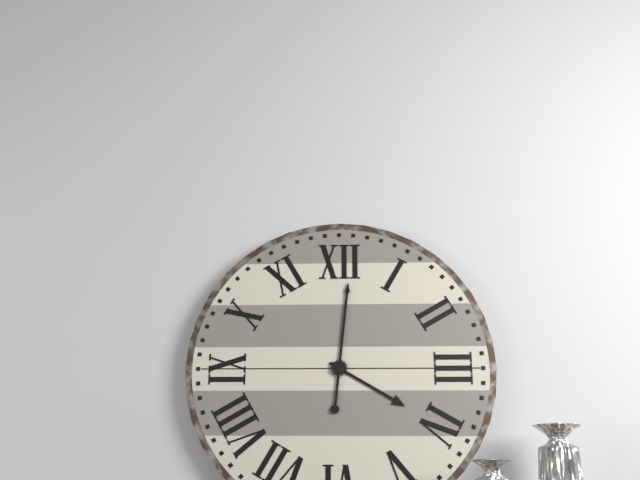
4.01
